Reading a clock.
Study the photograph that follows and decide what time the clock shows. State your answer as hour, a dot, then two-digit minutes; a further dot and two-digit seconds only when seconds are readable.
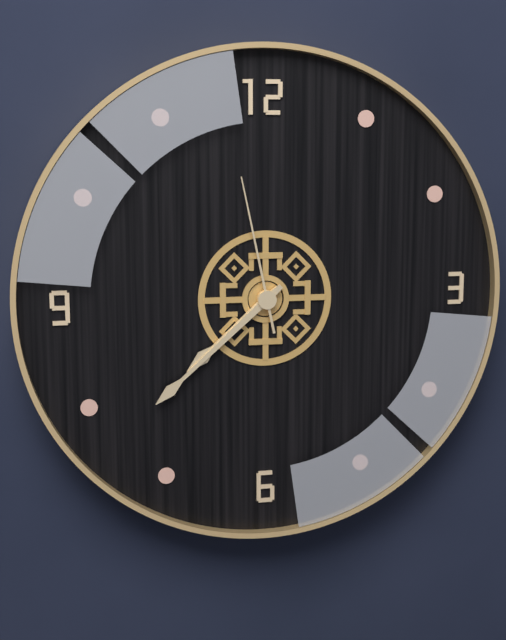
7.38.58
